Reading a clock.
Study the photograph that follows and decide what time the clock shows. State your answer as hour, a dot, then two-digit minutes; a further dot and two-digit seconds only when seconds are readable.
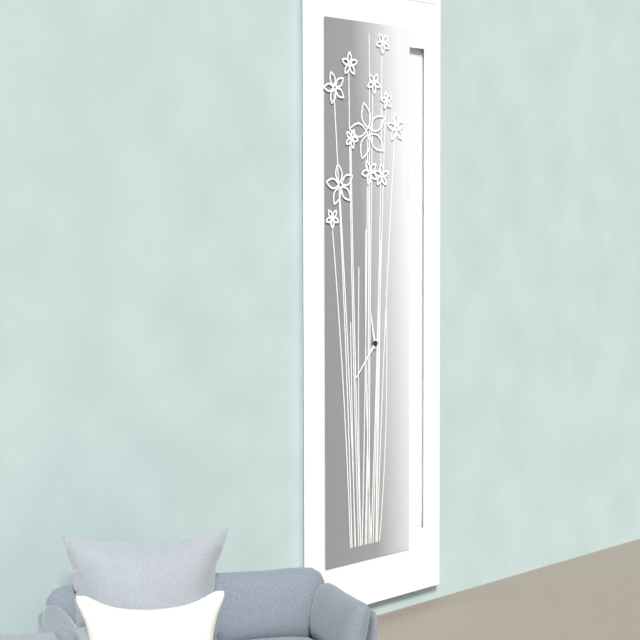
11.37
